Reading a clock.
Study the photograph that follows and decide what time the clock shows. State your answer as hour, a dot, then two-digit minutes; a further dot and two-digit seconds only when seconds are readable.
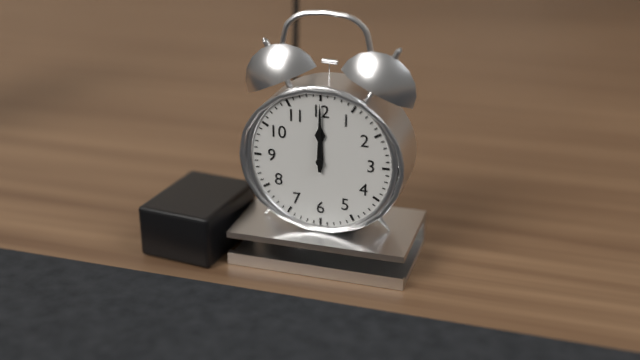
12.00
